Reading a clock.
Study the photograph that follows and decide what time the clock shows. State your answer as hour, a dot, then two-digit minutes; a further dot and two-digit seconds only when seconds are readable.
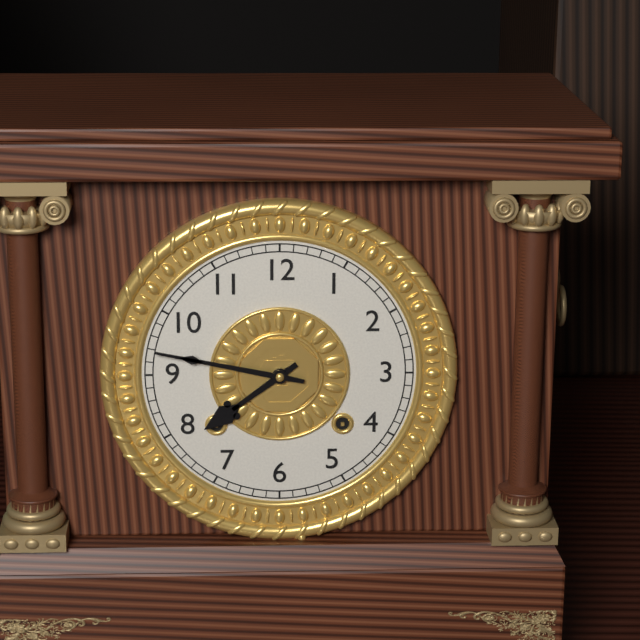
7.47
